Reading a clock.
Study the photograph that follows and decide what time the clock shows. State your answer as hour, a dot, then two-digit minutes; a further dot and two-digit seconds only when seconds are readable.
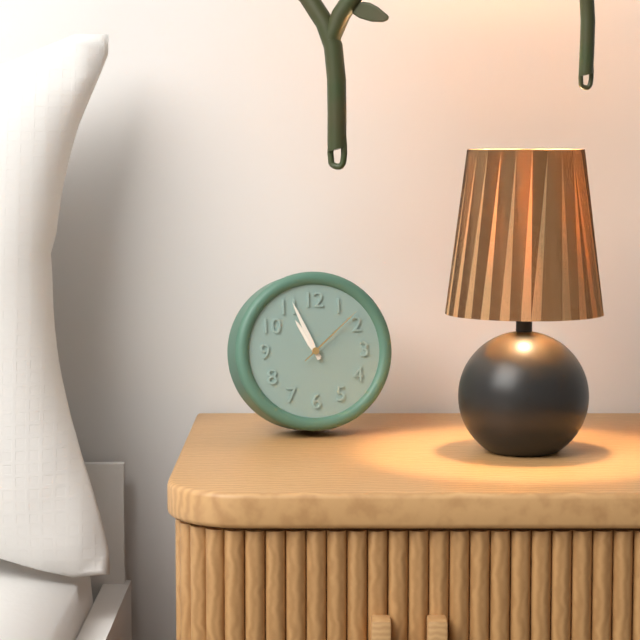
10.56.08
